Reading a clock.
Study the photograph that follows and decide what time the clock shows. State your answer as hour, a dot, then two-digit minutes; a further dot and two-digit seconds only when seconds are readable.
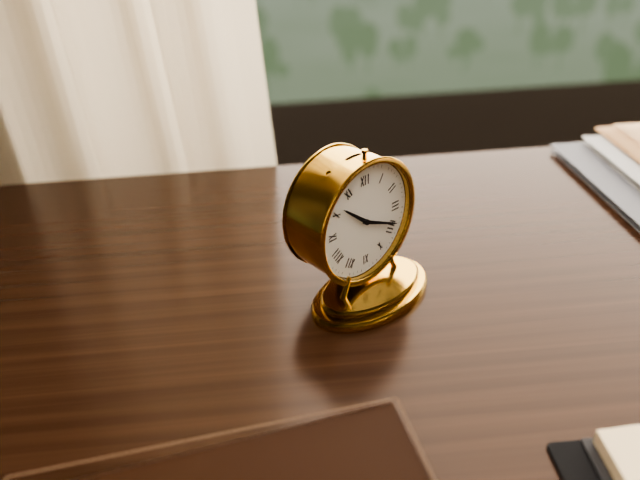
10.19
